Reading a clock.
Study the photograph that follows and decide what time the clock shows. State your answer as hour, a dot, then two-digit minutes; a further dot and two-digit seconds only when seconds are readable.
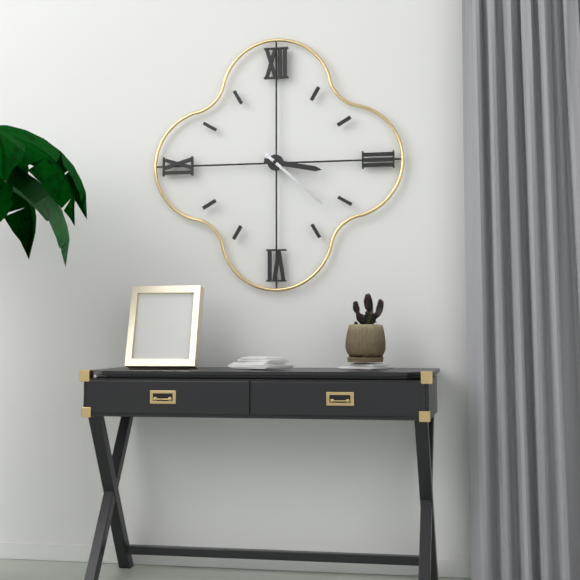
3.22
